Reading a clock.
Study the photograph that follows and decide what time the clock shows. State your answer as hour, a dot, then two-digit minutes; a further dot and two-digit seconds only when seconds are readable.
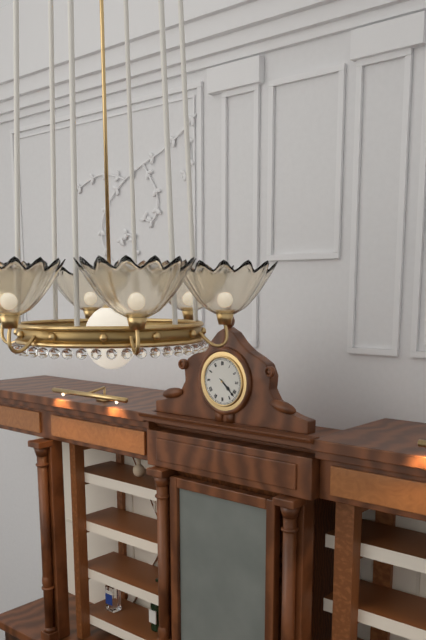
4.22
